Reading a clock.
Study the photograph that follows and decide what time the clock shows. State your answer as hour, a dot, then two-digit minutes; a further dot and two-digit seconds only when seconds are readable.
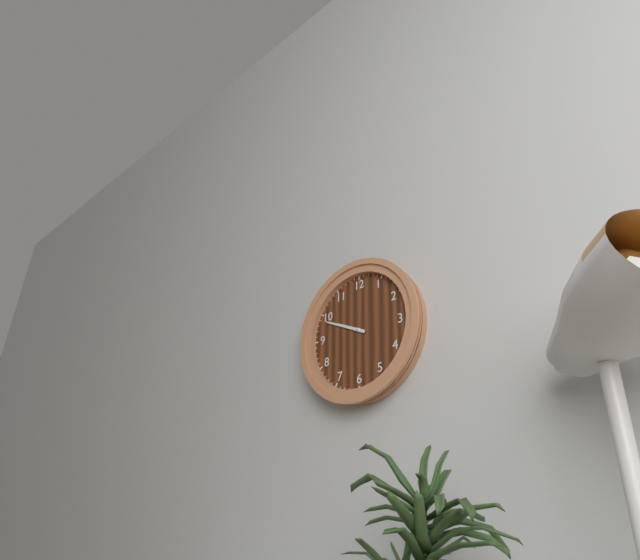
9.49
